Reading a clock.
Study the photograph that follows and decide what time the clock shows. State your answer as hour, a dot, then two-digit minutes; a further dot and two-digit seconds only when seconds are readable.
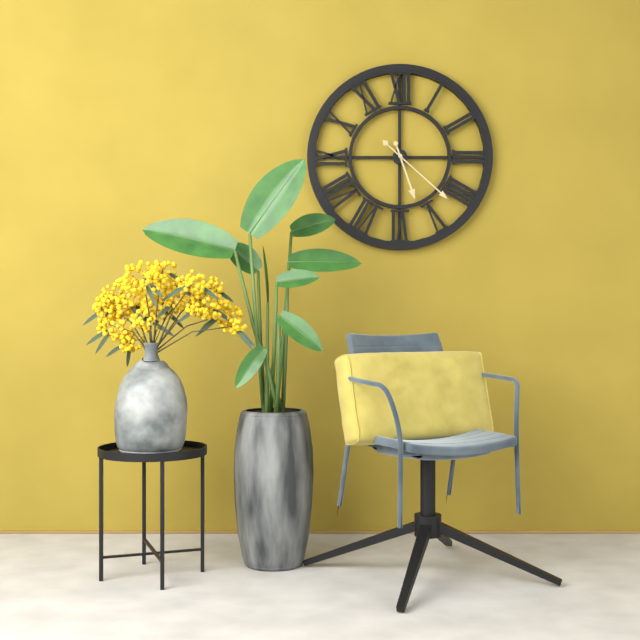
5.22
